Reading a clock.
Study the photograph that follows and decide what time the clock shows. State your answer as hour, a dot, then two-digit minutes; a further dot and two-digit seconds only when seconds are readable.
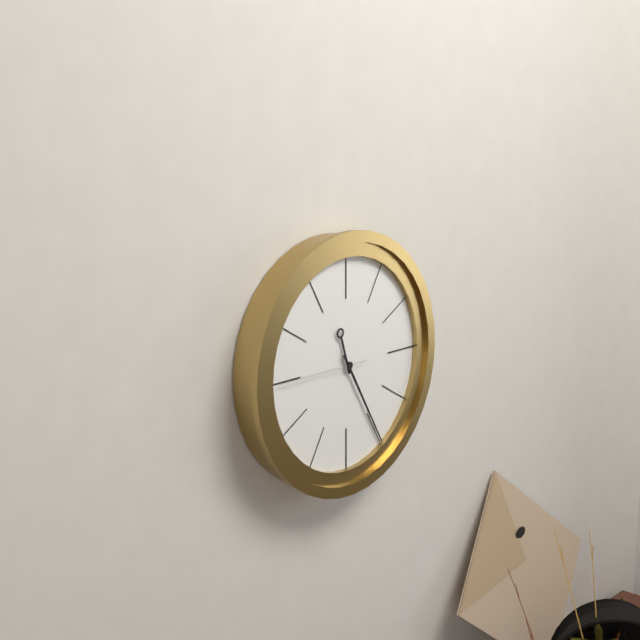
11.25.45
